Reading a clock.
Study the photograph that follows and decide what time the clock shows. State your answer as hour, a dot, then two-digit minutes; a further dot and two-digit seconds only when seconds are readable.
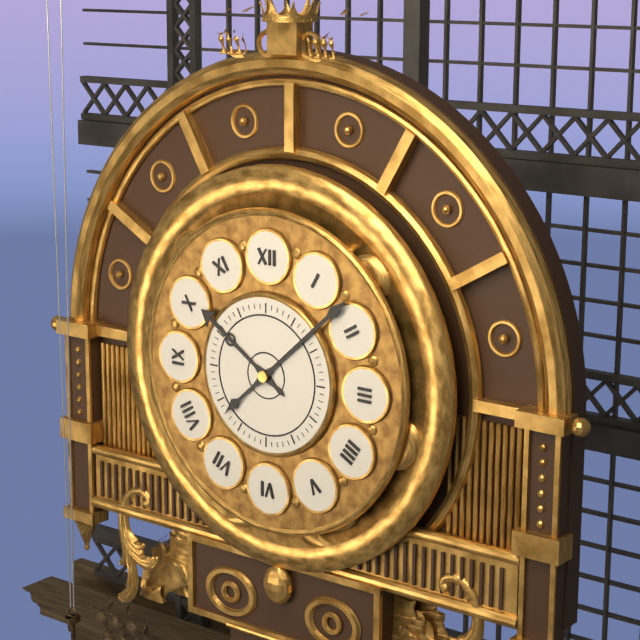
10.08
